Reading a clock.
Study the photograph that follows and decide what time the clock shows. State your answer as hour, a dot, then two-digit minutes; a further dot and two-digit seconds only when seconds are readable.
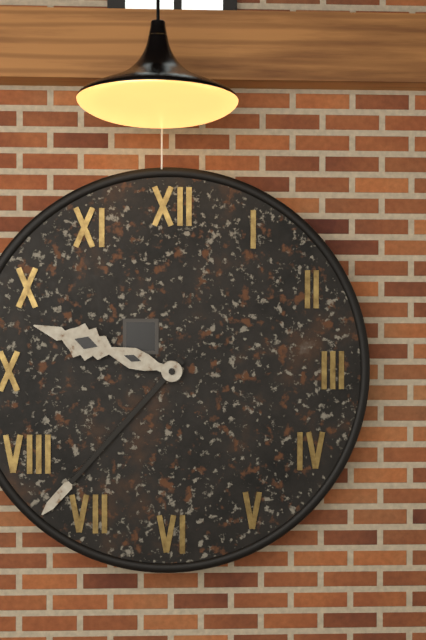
9.37
